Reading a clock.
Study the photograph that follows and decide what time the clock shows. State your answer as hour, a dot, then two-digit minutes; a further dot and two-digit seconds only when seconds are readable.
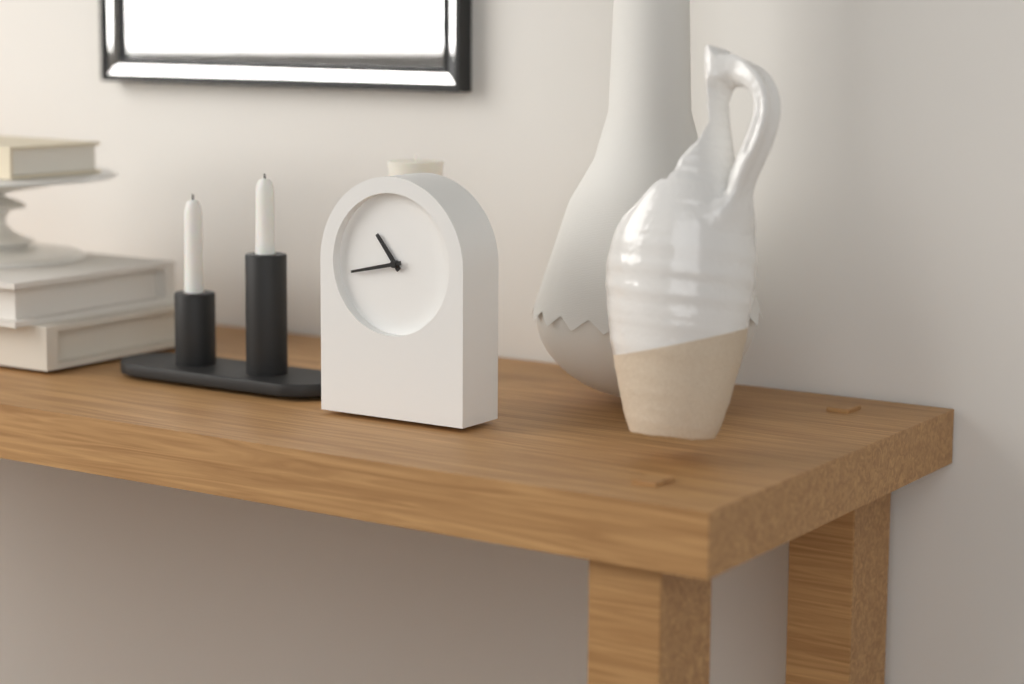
10.43
